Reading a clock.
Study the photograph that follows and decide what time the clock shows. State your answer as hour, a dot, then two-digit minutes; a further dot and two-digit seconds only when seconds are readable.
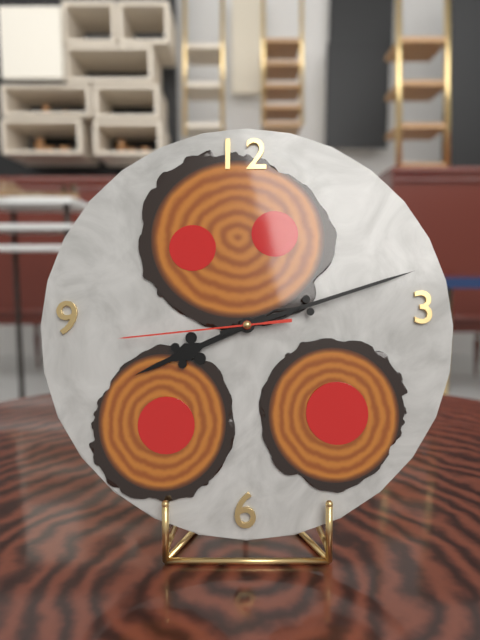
8.12.44
